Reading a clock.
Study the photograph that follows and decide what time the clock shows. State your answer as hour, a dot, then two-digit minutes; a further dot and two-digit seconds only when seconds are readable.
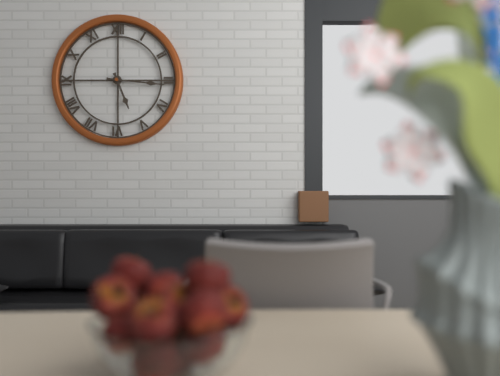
5.16
